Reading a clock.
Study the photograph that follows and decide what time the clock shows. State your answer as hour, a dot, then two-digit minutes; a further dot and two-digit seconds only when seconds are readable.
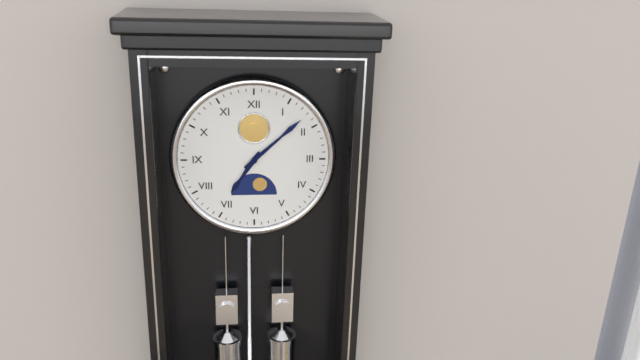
7.08
